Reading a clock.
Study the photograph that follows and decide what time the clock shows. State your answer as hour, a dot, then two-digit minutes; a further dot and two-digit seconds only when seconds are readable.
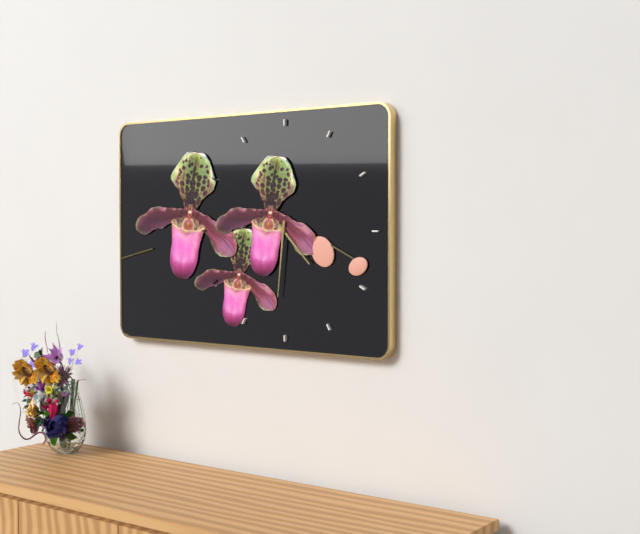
4.31
